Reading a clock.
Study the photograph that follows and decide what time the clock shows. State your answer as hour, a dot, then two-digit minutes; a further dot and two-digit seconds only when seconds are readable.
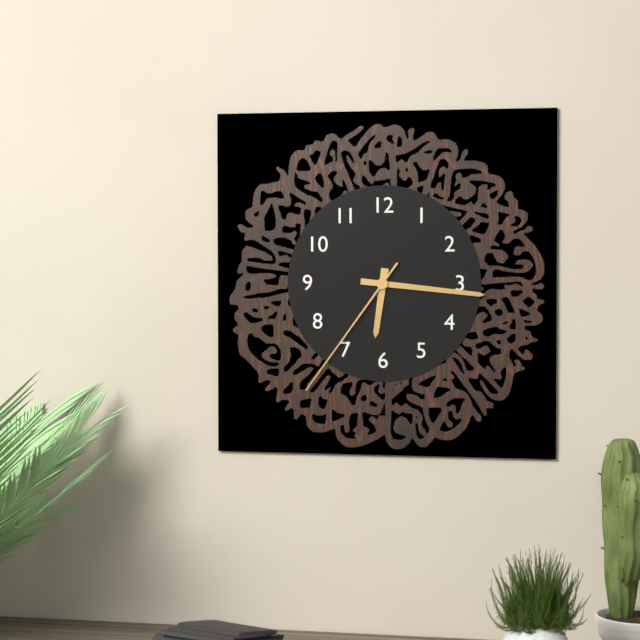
6.16.36
